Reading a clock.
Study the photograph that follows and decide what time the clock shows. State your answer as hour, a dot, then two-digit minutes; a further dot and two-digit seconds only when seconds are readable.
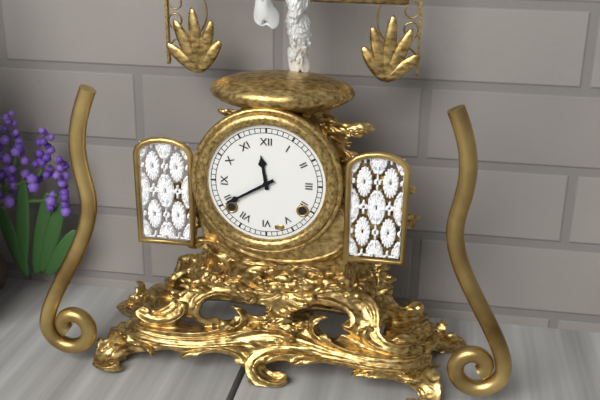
11.40
